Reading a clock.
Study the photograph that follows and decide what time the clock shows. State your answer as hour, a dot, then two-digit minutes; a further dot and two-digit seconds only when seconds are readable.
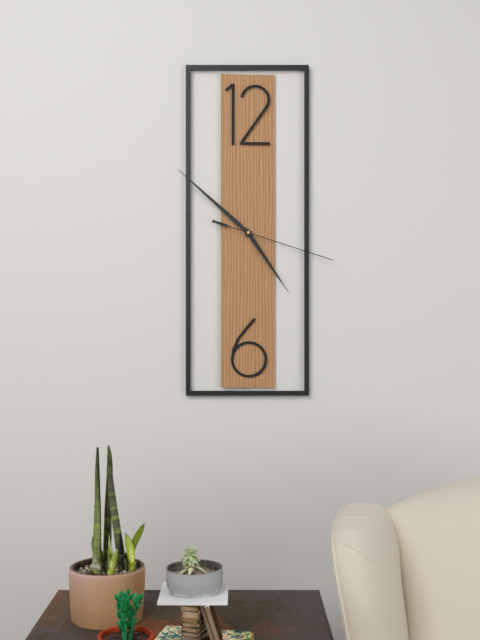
4.52.18
